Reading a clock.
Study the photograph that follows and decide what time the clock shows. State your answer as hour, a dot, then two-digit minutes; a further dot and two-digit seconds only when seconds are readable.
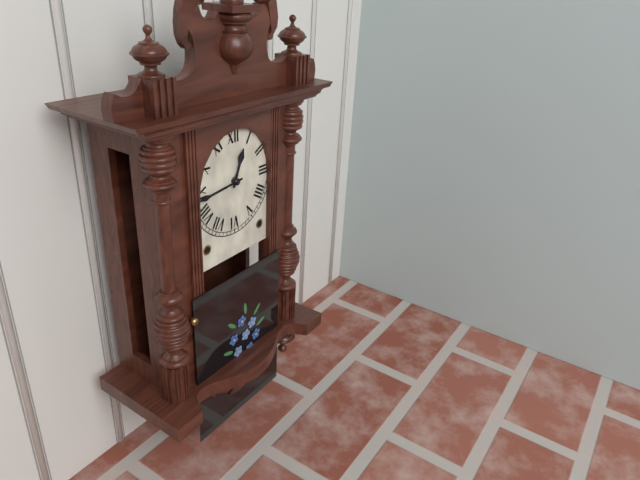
12.44
